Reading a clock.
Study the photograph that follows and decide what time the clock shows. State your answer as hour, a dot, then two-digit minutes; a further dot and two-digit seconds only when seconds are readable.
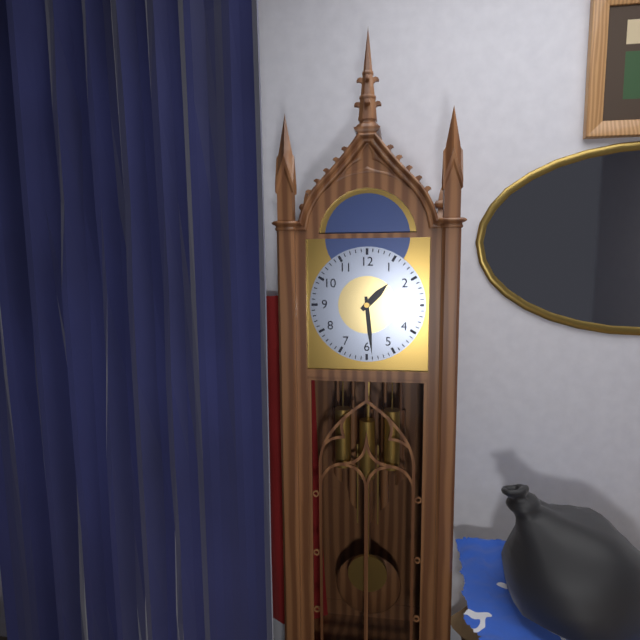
1.29
